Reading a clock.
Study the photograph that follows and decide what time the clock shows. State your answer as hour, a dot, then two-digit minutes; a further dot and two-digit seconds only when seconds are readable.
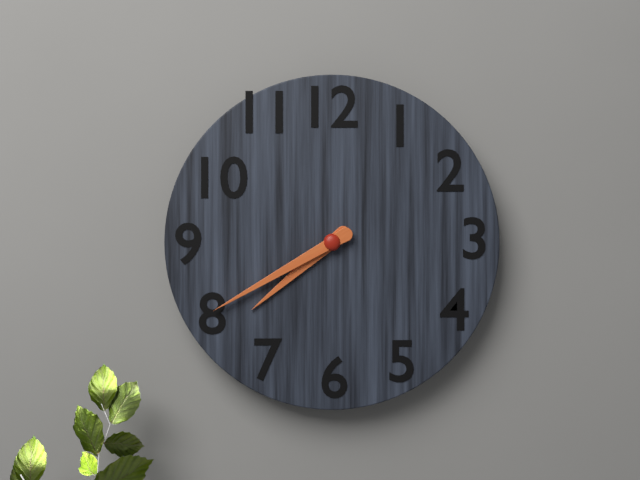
7.40
